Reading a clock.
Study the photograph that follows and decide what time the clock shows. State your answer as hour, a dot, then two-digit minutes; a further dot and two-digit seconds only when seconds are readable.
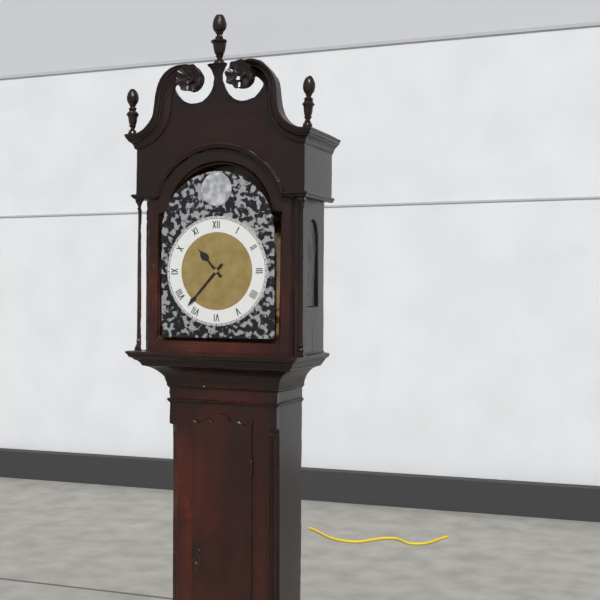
10.37
